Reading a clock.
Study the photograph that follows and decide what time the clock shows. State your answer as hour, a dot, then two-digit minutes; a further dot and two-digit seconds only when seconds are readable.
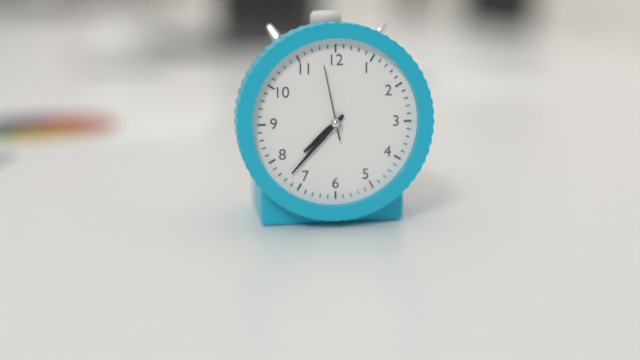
7.37.58
